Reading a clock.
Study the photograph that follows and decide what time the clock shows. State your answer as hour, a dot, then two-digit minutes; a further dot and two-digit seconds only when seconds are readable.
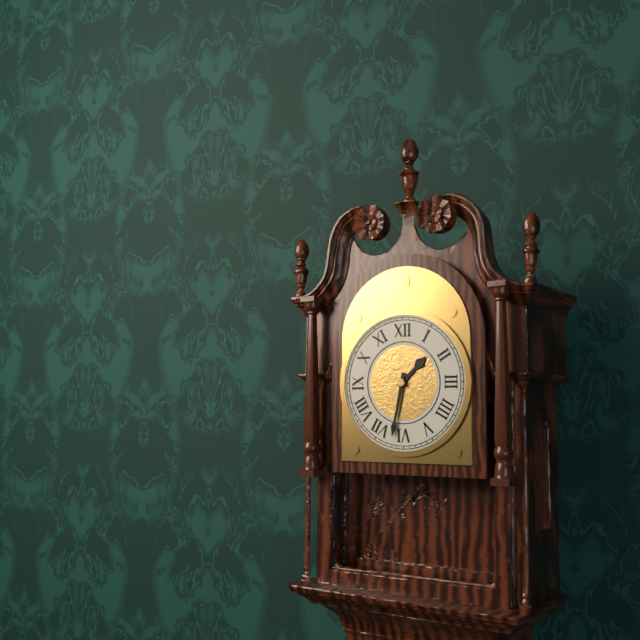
1.32
